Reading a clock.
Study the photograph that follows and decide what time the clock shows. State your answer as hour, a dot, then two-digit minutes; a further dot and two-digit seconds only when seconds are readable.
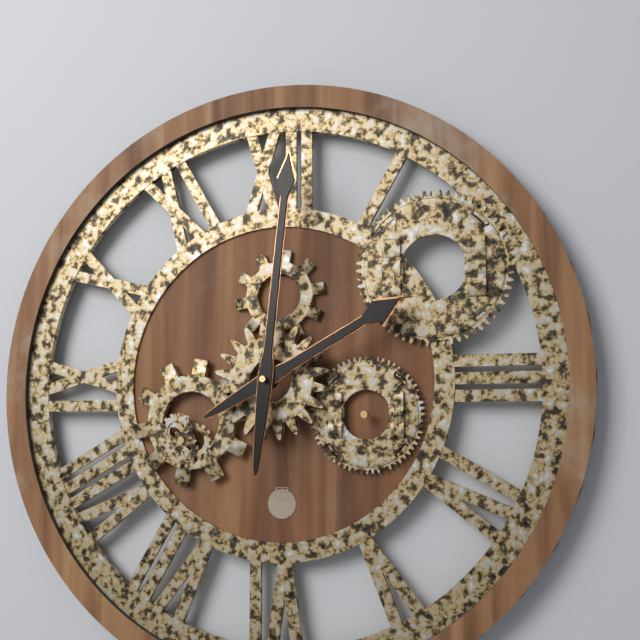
2.01
